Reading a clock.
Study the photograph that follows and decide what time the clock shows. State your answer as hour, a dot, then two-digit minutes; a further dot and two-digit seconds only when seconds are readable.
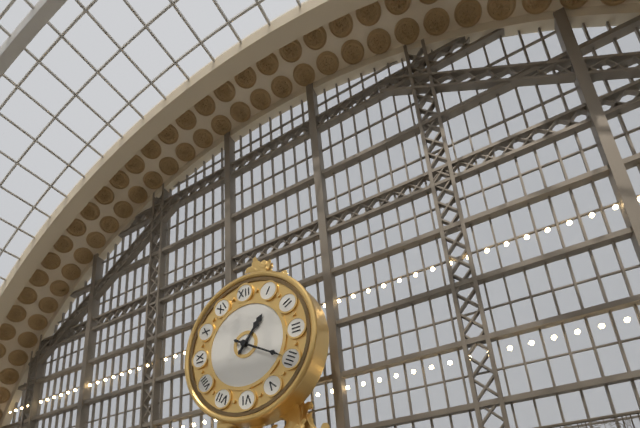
1.20
